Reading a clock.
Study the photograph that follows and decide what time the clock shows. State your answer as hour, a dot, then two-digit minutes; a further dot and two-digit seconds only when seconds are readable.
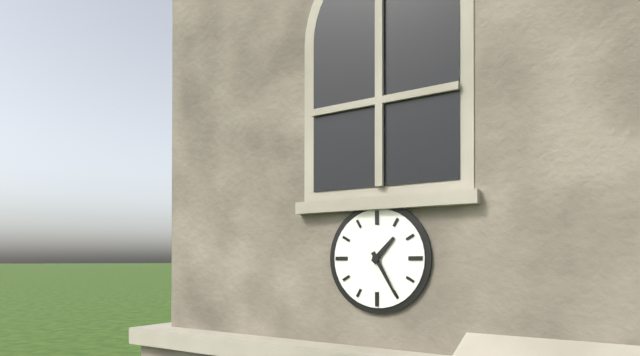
1.25
